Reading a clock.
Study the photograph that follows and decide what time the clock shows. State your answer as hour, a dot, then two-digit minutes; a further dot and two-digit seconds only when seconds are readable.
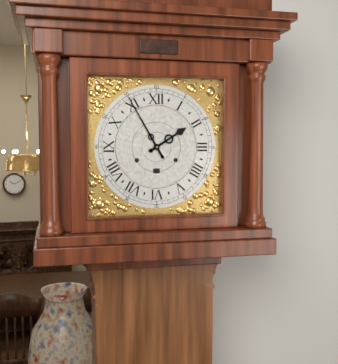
1.55
